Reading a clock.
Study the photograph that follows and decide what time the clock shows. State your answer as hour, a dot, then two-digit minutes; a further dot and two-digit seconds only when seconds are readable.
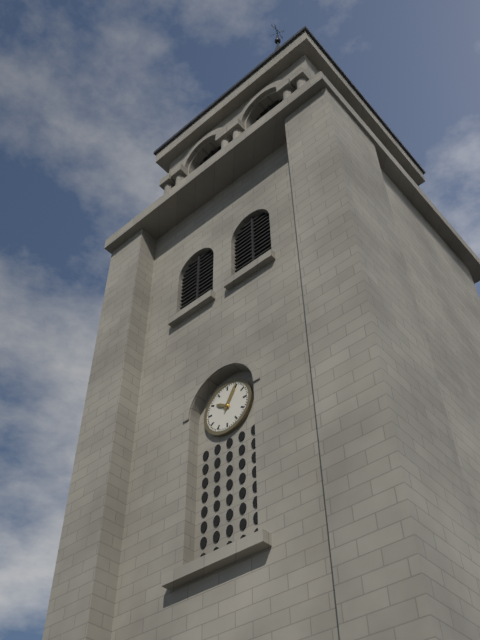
10.05
